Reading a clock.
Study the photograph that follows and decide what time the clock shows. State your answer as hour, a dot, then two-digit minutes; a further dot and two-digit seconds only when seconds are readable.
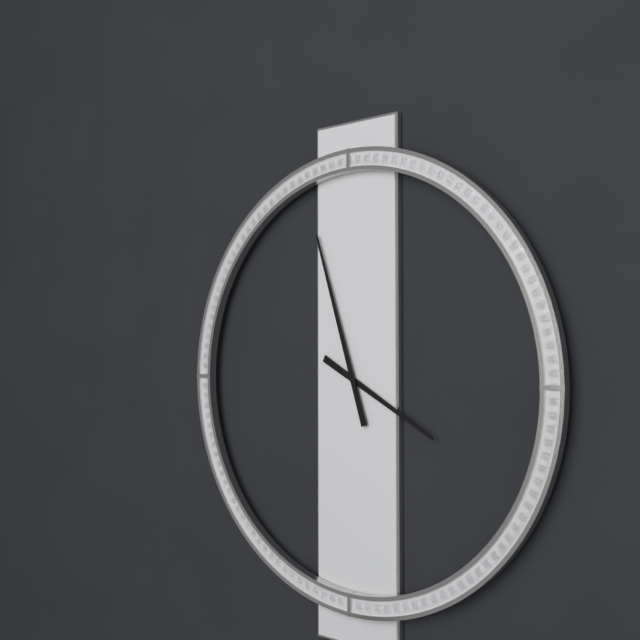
3.57
